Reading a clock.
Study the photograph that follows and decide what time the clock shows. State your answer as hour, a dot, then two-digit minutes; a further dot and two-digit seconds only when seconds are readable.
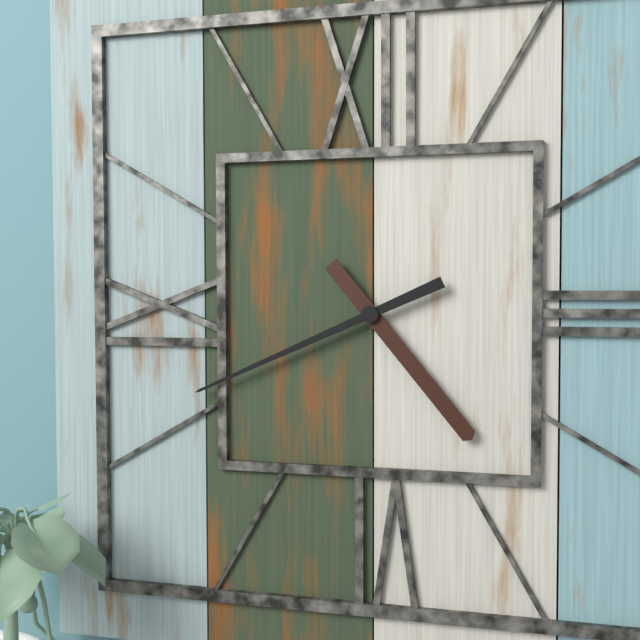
4.41
